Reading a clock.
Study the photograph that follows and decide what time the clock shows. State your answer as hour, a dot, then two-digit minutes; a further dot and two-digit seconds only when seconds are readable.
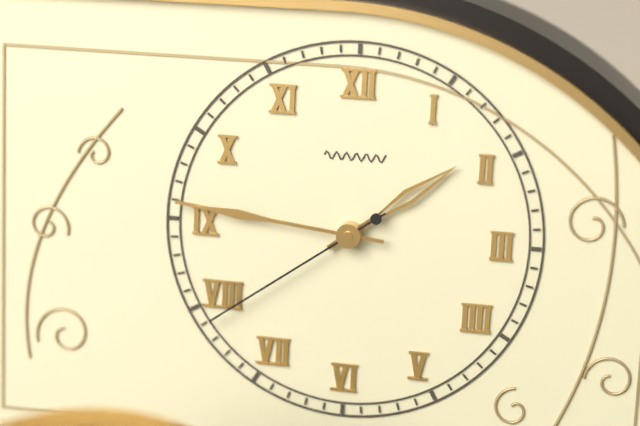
1.46.39
